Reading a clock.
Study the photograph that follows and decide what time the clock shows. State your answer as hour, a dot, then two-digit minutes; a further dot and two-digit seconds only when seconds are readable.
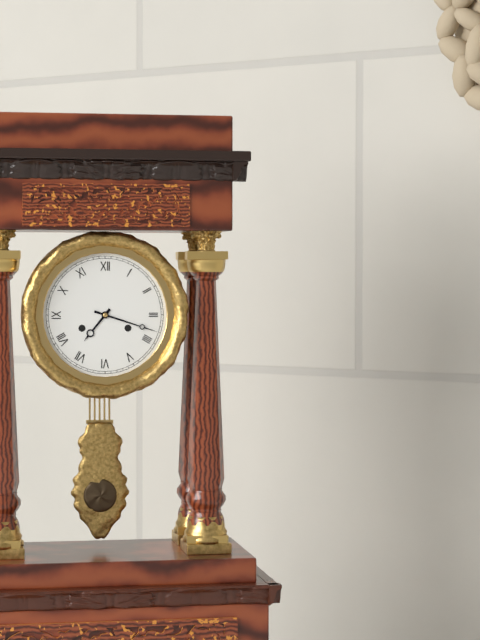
7.18
